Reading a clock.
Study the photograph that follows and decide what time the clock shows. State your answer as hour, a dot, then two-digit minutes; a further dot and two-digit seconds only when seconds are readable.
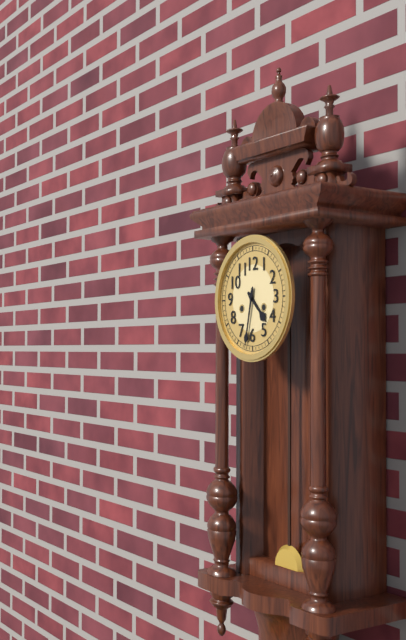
4.32
